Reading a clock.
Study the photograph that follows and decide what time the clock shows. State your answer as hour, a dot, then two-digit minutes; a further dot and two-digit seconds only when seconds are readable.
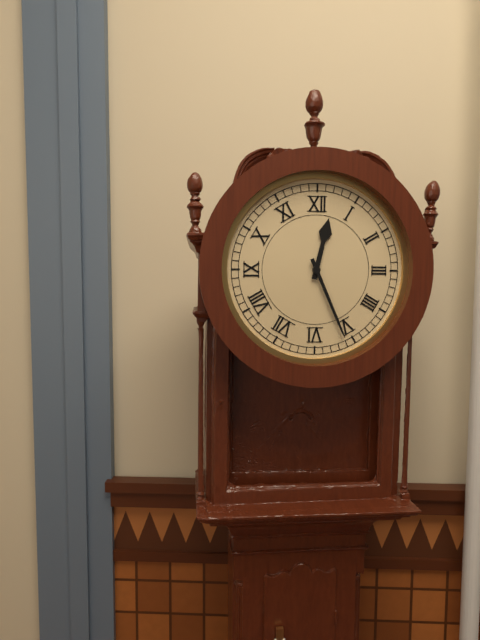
12.26
